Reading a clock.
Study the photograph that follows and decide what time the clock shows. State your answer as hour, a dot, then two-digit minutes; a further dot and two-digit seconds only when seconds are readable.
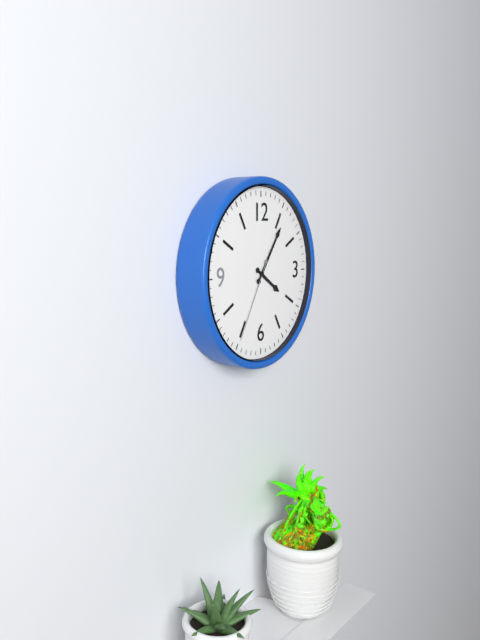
4.06.35
